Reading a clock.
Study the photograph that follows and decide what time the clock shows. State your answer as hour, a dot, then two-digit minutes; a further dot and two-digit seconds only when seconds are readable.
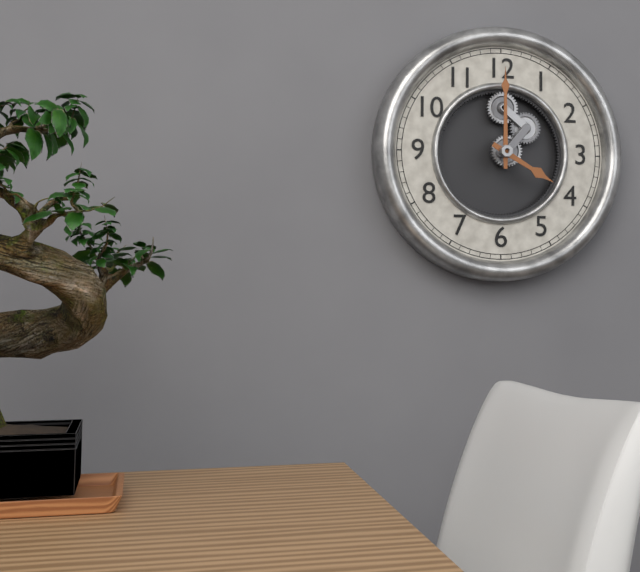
4.00
